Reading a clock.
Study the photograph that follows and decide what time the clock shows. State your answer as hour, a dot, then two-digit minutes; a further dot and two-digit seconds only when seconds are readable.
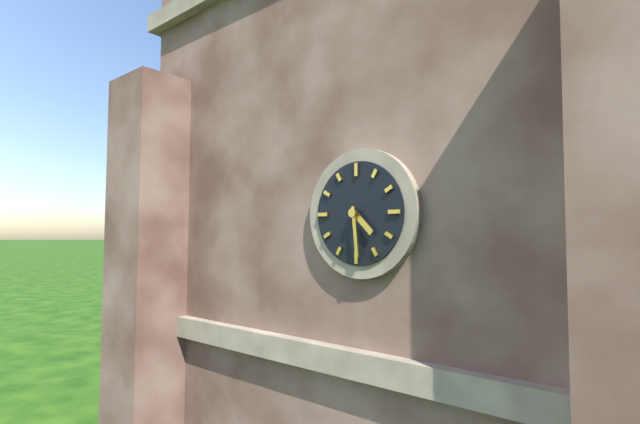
4.29
